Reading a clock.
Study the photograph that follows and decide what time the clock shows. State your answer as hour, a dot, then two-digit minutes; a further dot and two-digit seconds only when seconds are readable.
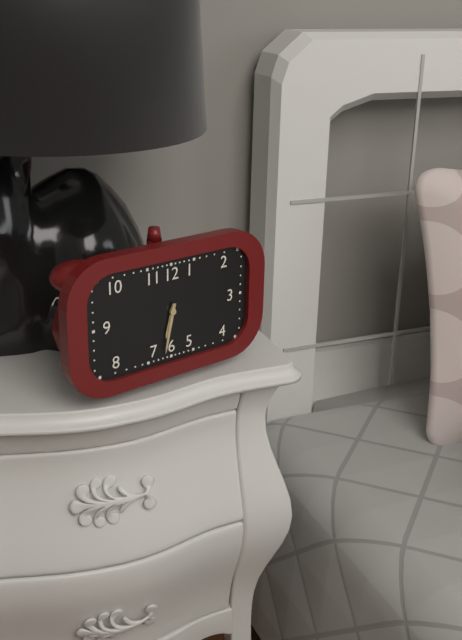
6.32
